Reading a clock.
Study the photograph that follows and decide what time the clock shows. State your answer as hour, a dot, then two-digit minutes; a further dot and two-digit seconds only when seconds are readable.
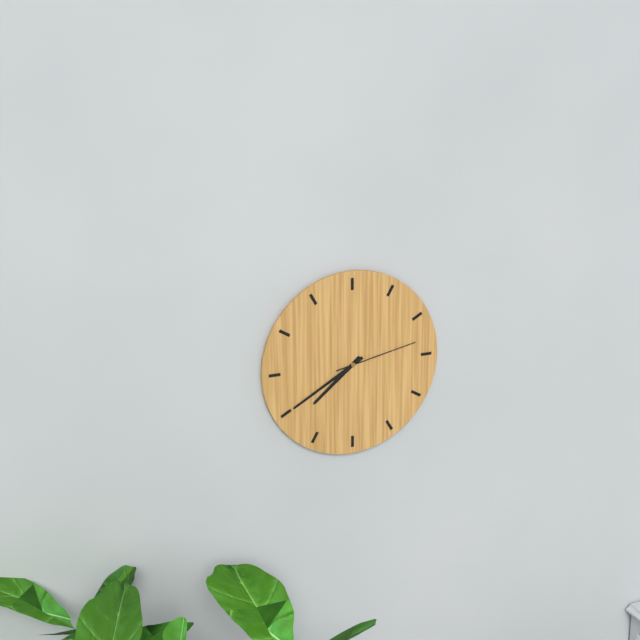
7.40.13
